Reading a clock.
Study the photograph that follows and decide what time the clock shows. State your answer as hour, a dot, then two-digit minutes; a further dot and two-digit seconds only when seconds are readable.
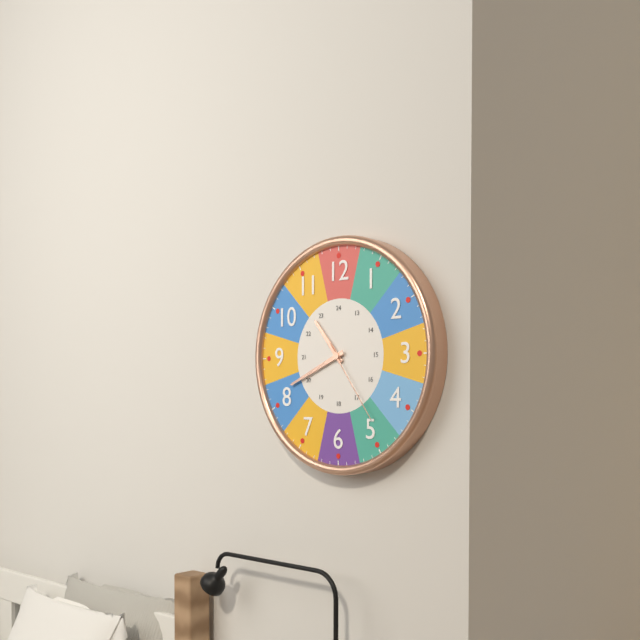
10.41.24
